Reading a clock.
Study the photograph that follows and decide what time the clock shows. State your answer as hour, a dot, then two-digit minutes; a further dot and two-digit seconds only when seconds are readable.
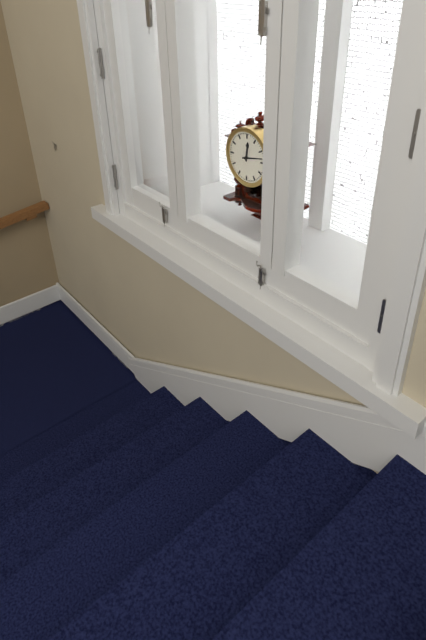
12.13
